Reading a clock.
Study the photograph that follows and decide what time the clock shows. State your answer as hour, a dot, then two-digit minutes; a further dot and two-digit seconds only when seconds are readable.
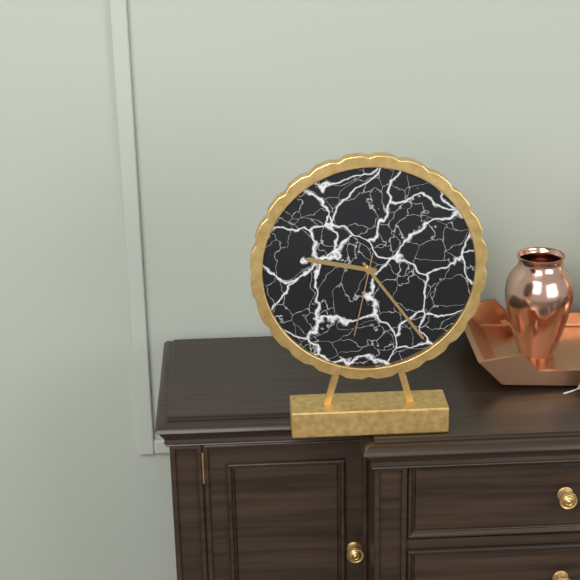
9.24.32
